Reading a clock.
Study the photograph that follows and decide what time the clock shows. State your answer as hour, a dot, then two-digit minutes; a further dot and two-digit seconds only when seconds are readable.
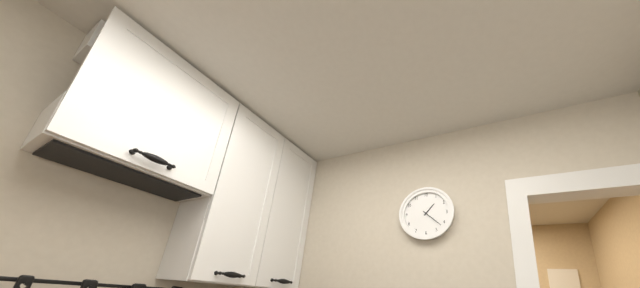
1.22
